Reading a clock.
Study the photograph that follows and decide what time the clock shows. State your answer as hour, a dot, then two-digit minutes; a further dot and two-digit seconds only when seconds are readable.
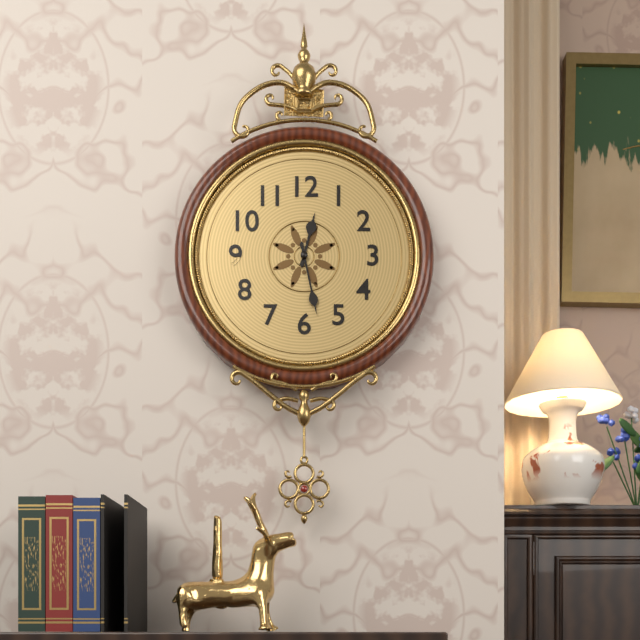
12.28
